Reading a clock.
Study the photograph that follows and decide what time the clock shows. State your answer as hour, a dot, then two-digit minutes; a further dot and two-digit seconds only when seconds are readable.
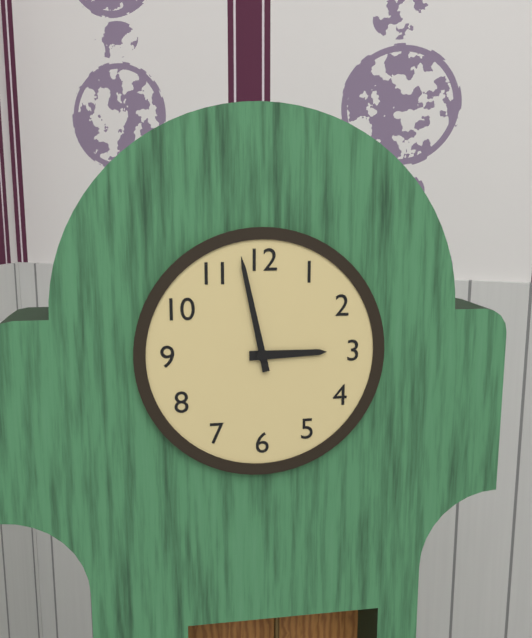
2.58
